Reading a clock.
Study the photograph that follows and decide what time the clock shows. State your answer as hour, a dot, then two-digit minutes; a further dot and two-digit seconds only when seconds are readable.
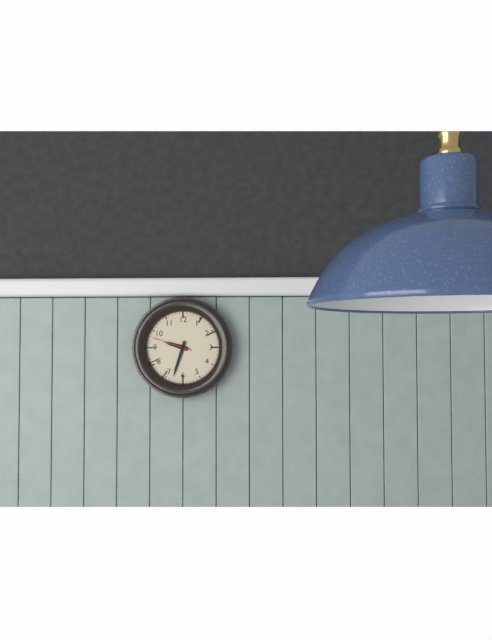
9.33
